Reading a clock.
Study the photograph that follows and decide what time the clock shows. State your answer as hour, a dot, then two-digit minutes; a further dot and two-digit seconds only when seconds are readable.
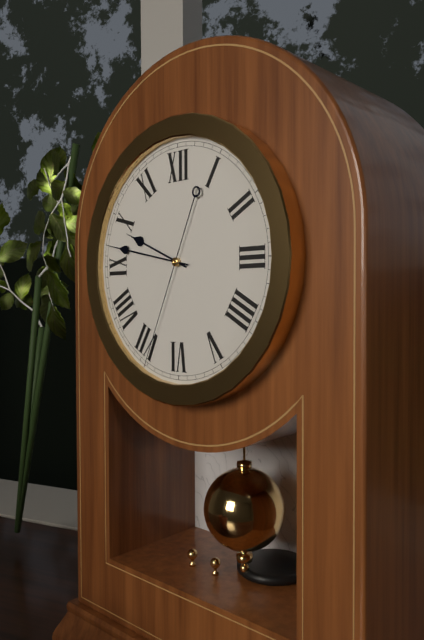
9.47.34
